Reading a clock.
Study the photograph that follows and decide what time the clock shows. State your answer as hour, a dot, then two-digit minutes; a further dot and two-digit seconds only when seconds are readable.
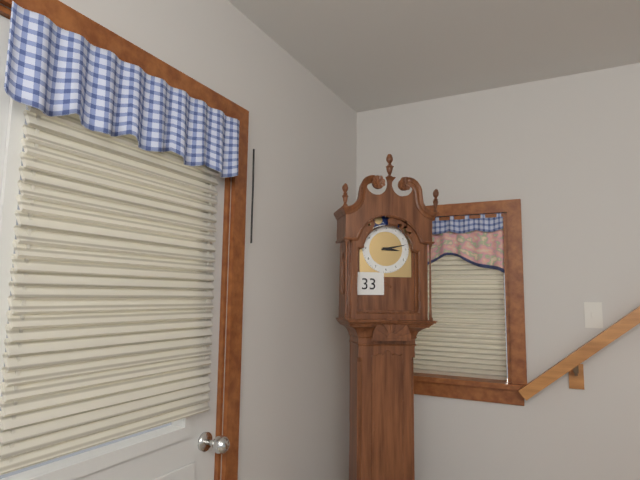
3.13
